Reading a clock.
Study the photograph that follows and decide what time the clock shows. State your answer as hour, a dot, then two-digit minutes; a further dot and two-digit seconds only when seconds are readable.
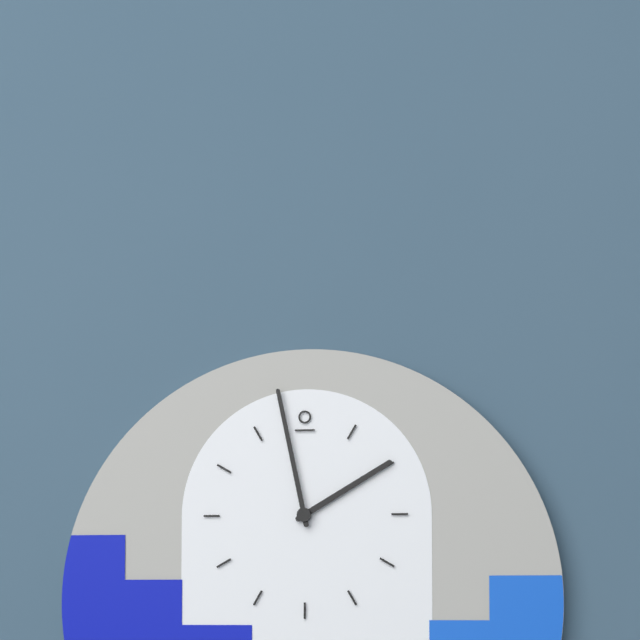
1.58
